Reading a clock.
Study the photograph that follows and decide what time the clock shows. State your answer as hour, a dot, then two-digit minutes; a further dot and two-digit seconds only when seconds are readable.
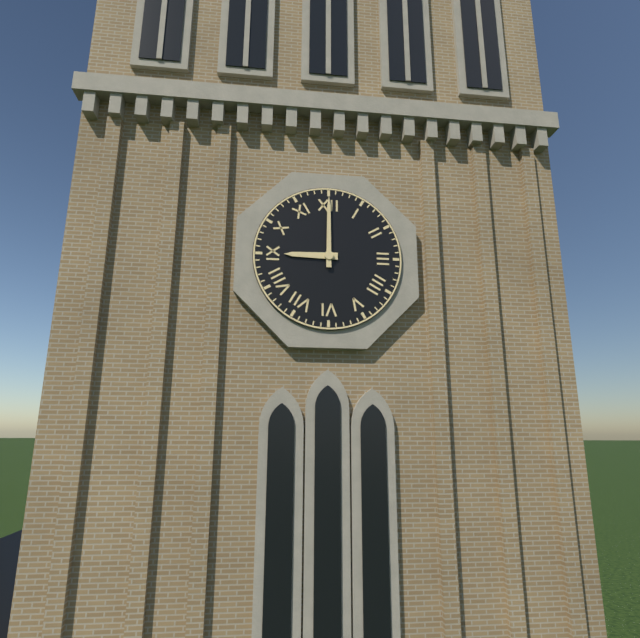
9.00
